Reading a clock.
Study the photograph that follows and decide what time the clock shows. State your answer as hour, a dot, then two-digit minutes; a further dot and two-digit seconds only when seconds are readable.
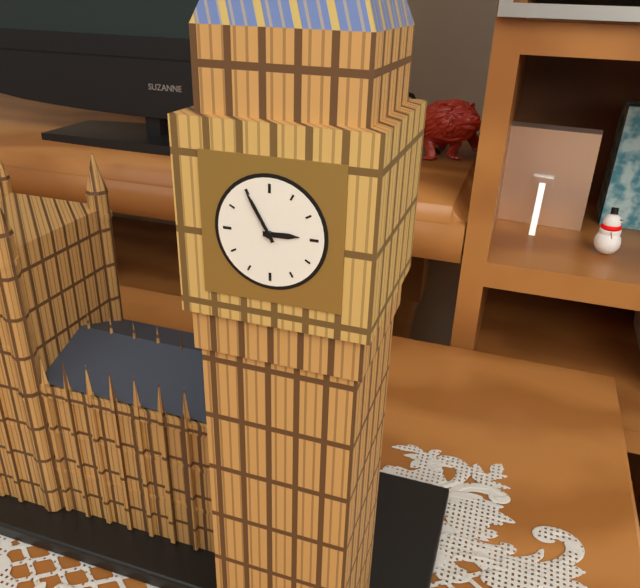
2.55
